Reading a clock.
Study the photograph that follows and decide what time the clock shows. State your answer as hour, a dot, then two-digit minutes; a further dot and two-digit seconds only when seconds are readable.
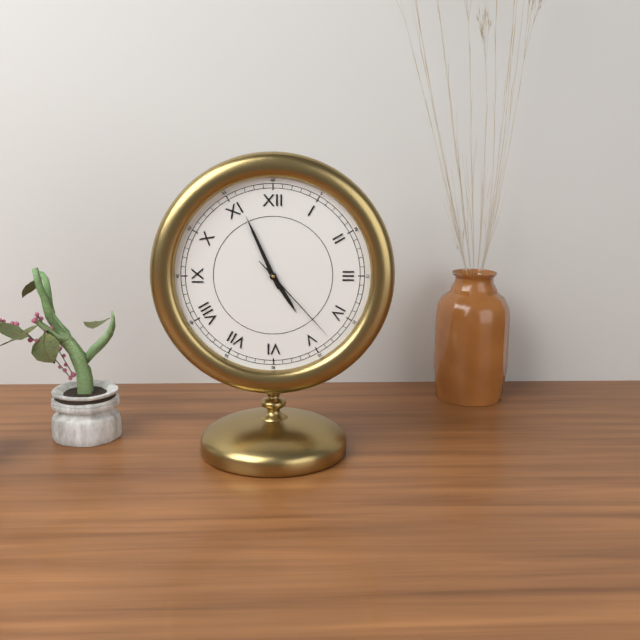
4.56.23
